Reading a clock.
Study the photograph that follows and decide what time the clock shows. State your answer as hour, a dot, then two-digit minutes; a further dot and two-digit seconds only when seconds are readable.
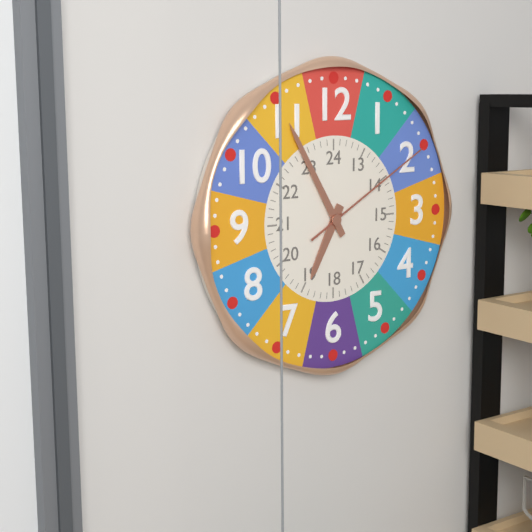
6.55.10
